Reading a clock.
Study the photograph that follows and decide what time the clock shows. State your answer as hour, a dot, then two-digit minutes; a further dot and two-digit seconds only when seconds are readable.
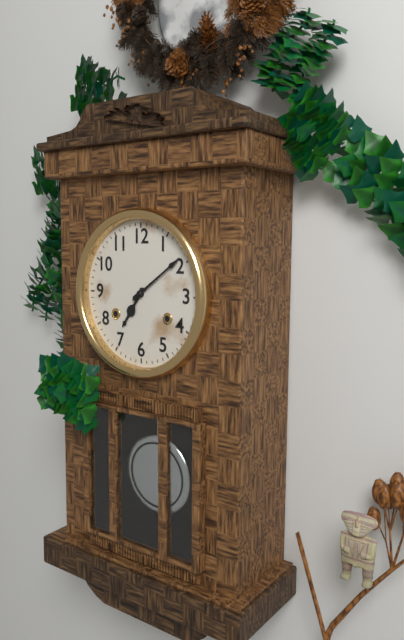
7.09
